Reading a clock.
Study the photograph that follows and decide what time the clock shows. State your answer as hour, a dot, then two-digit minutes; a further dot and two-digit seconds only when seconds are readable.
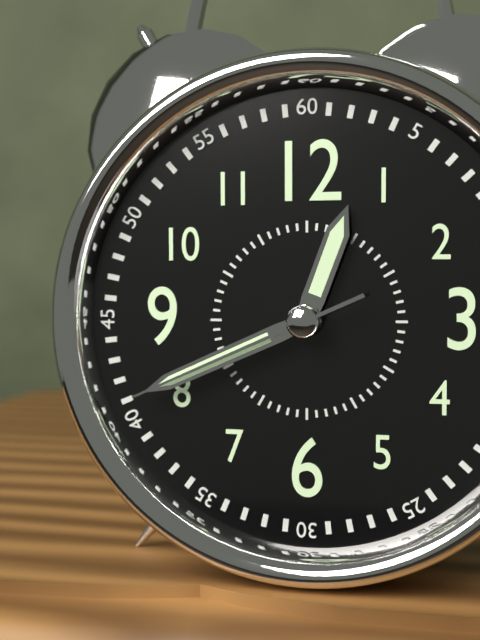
12.41.41
